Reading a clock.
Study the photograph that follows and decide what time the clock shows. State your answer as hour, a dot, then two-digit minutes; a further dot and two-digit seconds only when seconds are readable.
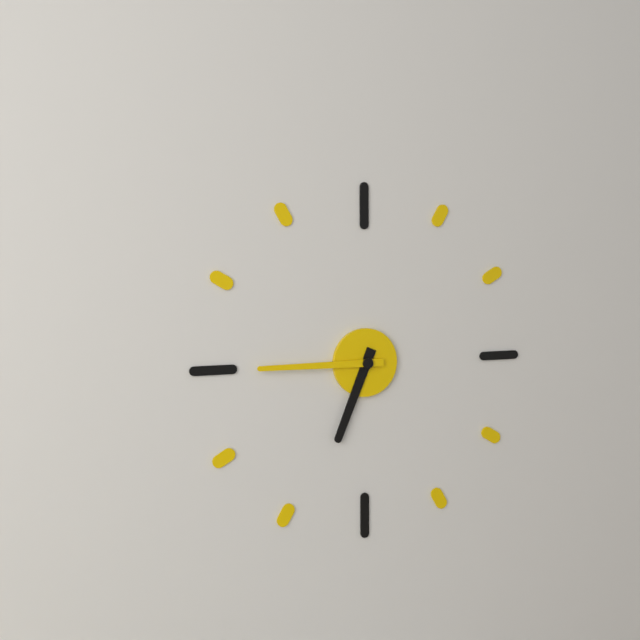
6.45
